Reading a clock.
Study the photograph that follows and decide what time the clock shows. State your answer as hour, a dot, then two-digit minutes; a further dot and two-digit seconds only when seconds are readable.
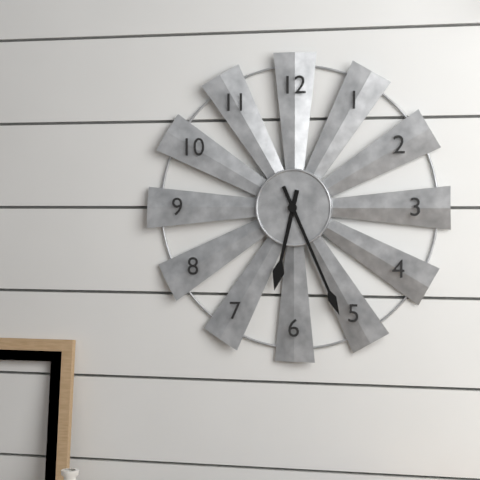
6.26
